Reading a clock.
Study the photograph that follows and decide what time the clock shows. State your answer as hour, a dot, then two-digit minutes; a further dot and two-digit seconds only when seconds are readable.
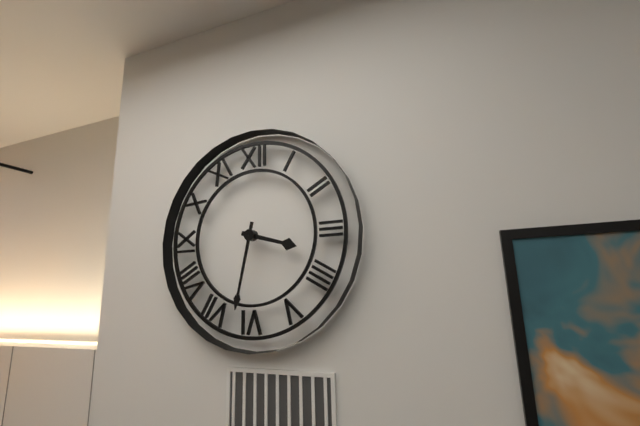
3.32
